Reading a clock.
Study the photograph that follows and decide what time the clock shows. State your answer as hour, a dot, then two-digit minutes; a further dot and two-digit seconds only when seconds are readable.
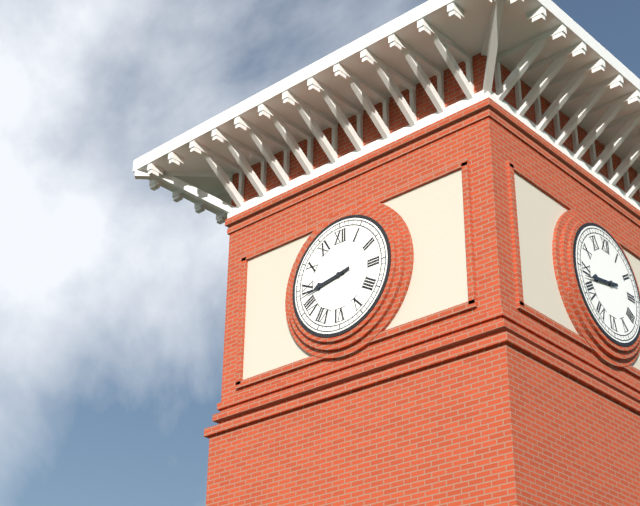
8.43
